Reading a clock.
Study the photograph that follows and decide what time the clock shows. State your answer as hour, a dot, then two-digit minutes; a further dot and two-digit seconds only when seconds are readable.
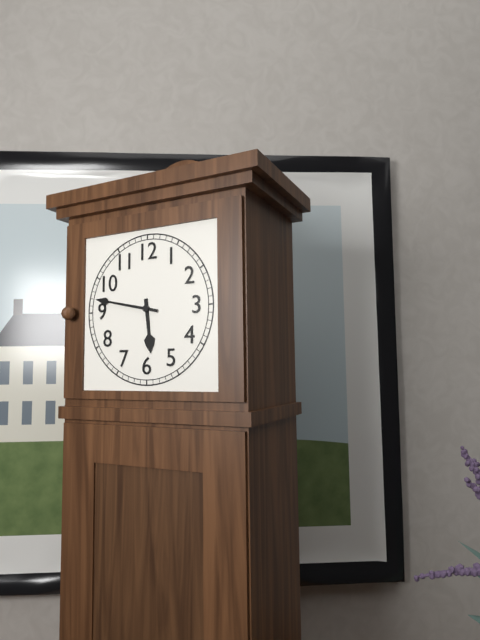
5.47
